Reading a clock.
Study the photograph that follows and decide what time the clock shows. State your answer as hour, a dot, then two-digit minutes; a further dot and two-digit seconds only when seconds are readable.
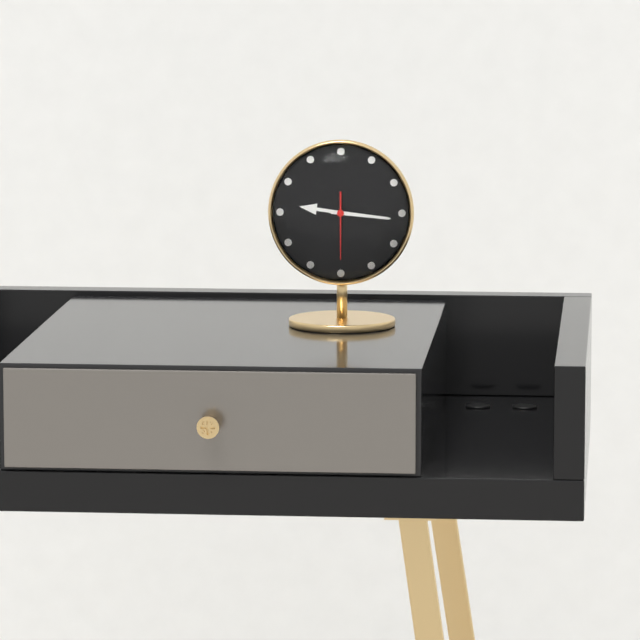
9.16.30
